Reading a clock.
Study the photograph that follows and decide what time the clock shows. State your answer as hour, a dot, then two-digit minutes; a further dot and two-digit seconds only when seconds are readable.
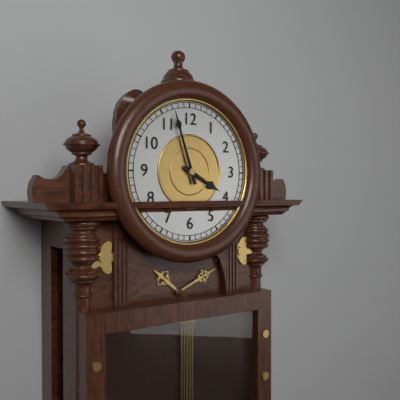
3.57
